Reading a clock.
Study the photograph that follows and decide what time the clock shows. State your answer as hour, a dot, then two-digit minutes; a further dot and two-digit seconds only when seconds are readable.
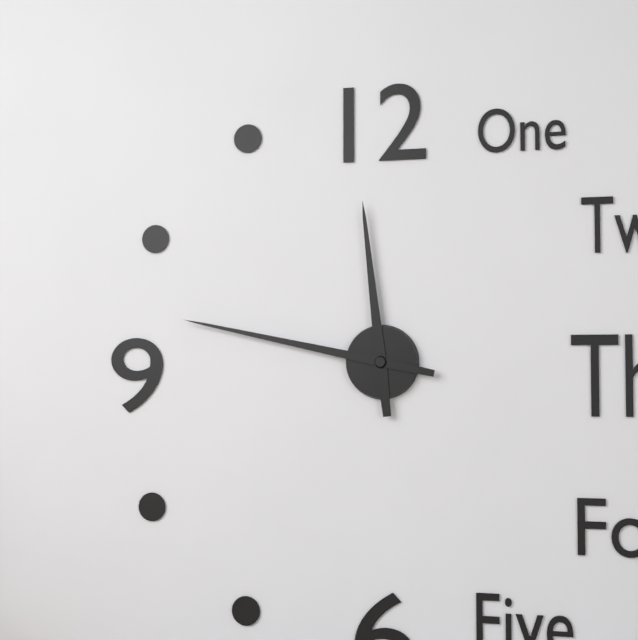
11.47
